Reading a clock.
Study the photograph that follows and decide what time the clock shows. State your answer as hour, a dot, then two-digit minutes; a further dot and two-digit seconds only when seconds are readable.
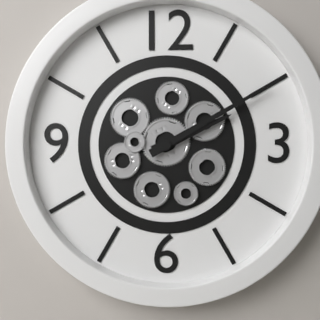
2.10
